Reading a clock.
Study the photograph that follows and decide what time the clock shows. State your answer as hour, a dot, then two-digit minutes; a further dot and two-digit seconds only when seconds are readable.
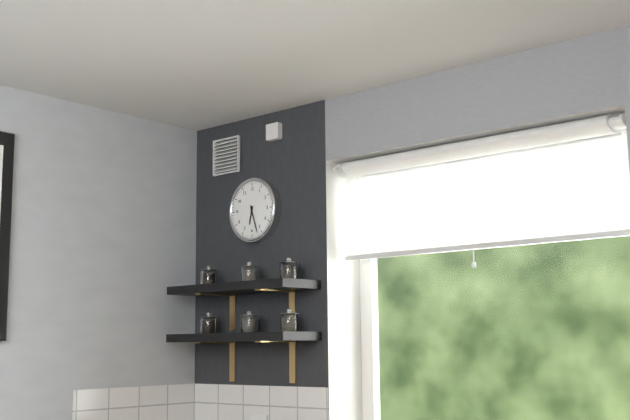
6.27
